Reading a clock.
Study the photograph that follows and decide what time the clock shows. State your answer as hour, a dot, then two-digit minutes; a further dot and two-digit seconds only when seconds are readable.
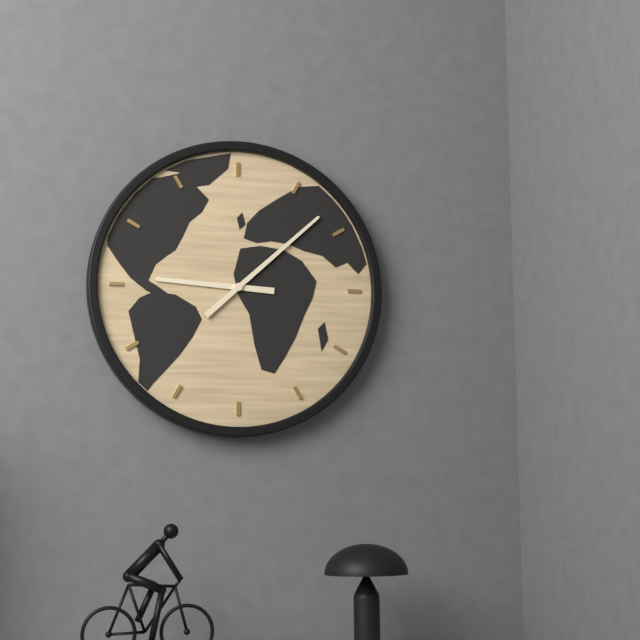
9.08
